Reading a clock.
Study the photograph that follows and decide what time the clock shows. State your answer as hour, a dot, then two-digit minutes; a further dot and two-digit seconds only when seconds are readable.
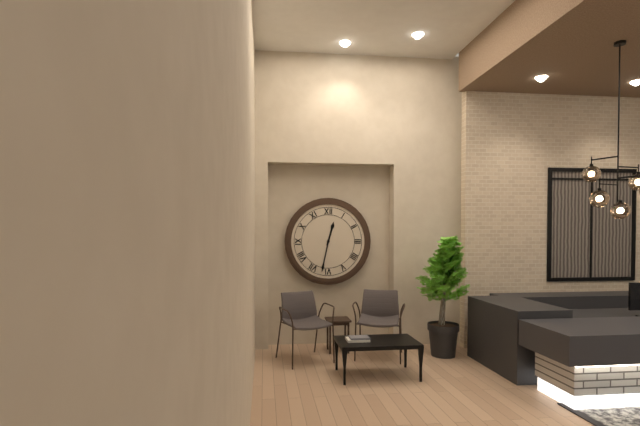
12.32
